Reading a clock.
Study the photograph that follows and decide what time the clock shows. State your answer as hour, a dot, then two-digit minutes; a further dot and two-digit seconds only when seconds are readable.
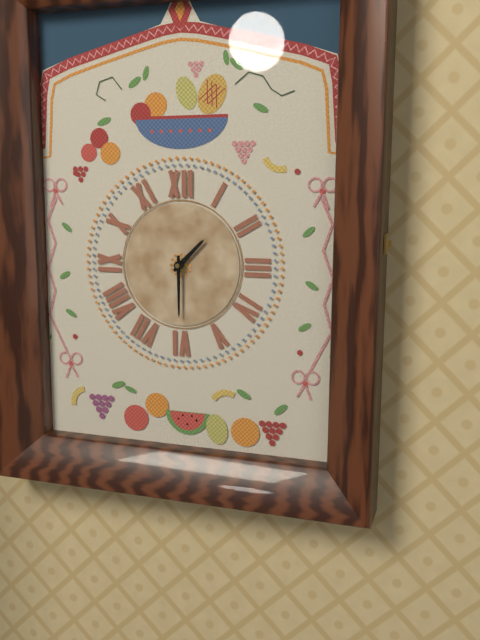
1.30
